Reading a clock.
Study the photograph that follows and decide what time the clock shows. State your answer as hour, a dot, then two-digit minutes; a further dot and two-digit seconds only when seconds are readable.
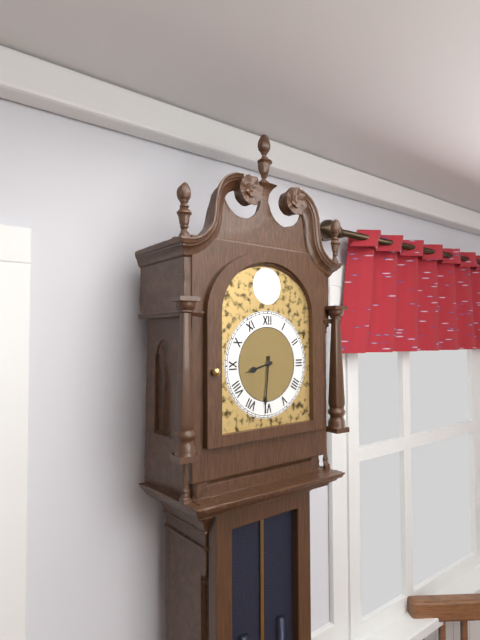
8.31
